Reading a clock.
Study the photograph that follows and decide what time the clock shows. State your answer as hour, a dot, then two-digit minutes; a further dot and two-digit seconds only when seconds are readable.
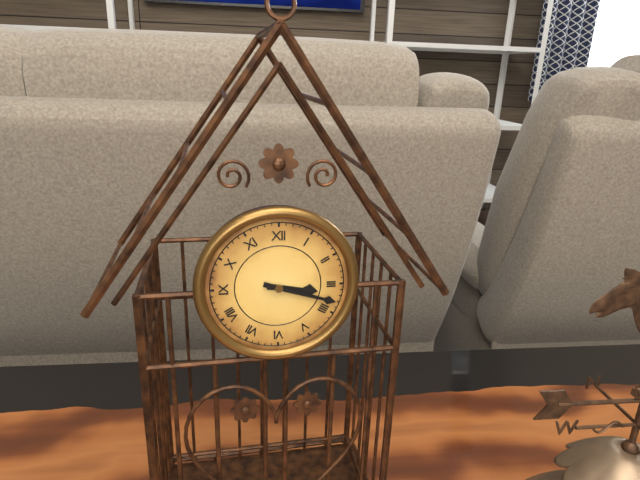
3.18
